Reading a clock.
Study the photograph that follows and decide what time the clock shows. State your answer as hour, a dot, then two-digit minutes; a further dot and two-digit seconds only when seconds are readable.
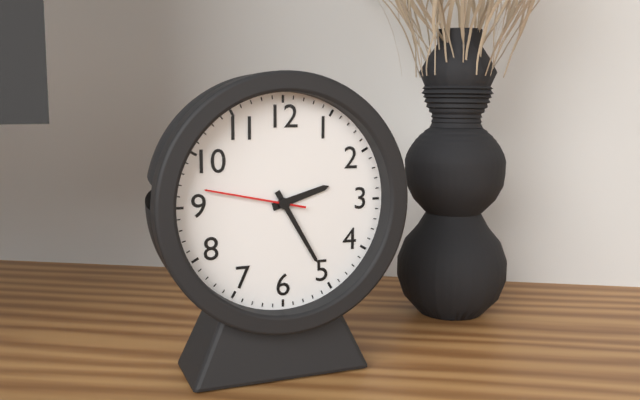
2.25.47
